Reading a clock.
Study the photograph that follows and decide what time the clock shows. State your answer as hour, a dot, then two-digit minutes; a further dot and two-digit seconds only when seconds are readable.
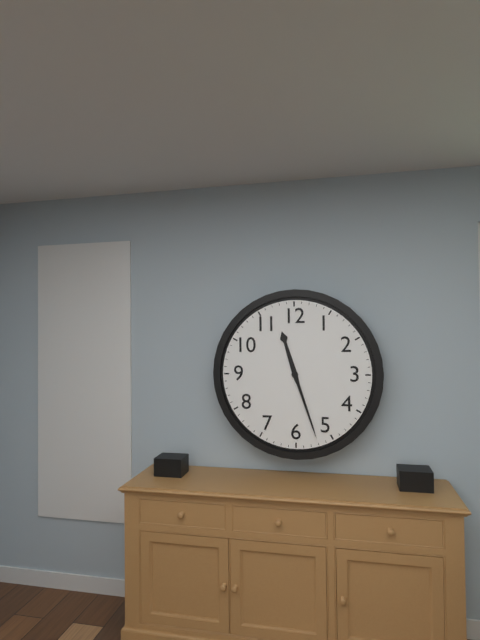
11.27
